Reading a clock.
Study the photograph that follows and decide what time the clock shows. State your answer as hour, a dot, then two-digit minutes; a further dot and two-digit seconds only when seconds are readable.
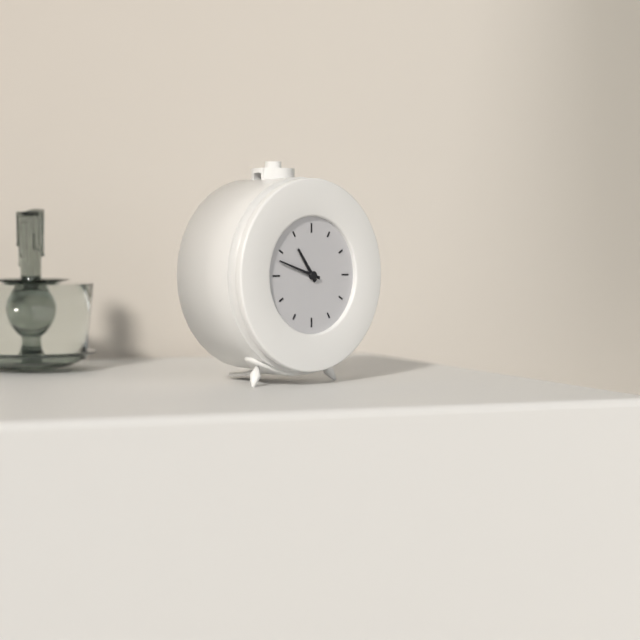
10.48
